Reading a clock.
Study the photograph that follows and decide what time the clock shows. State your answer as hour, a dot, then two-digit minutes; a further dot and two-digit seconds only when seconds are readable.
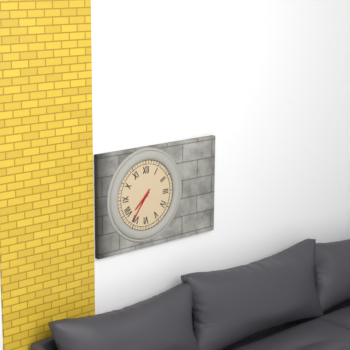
7.36
